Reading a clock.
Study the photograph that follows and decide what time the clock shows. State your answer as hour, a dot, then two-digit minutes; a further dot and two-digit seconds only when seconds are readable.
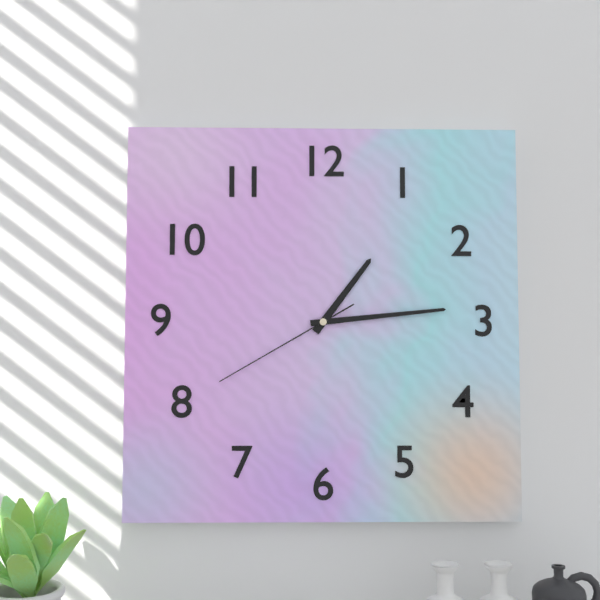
1.14.40
